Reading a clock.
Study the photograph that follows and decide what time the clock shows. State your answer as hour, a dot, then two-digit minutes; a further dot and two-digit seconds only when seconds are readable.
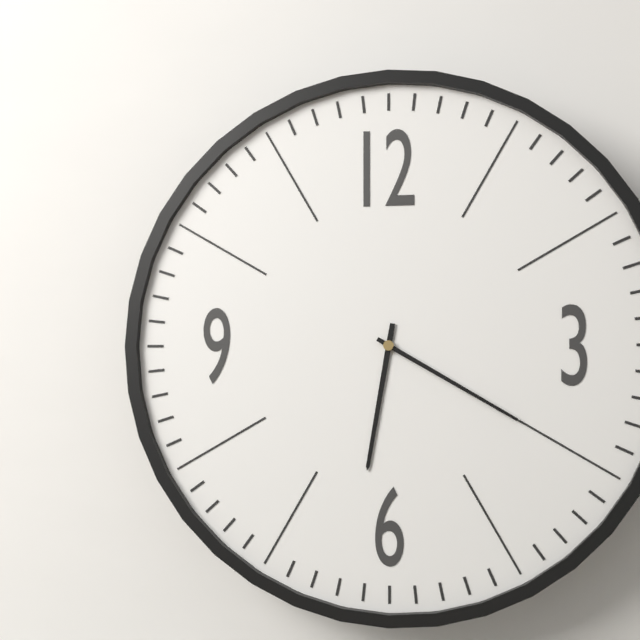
6.20
